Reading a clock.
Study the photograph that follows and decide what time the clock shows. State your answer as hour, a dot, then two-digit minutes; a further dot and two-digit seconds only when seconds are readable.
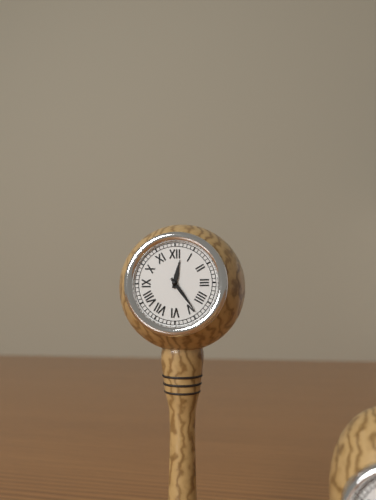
12.24
